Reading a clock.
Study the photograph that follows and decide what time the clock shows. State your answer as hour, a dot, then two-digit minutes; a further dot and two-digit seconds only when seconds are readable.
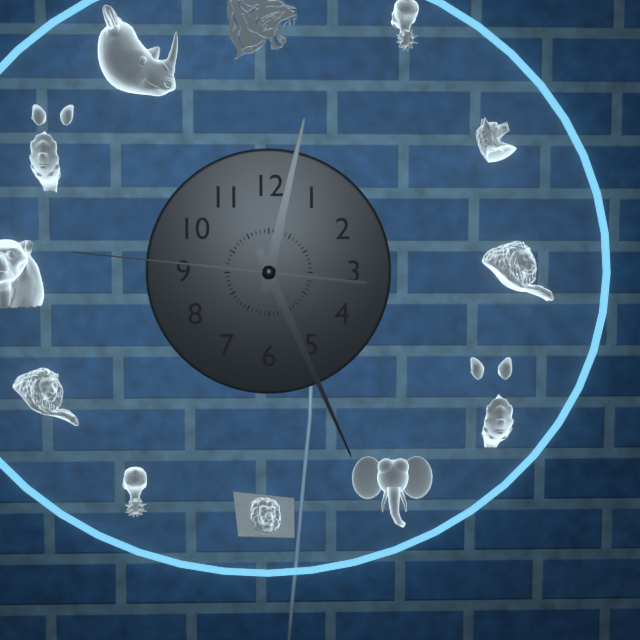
12.26.46
